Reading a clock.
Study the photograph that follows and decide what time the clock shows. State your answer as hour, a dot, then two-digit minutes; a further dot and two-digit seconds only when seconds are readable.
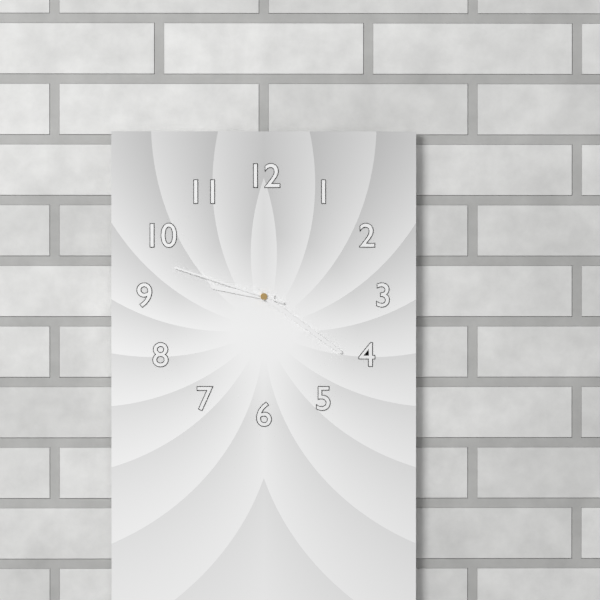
9.21.48
